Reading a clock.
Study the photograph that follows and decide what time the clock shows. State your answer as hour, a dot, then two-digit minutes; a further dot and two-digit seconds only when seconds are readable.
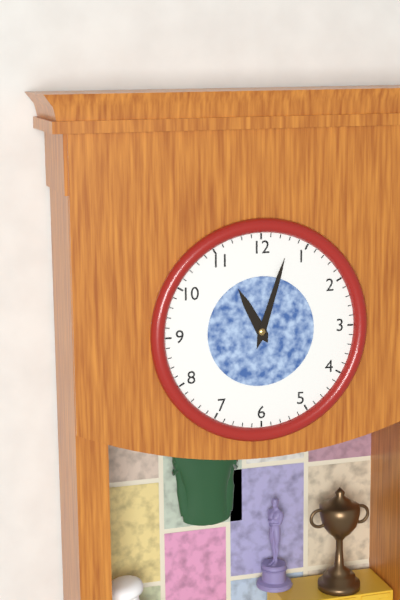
11.03
